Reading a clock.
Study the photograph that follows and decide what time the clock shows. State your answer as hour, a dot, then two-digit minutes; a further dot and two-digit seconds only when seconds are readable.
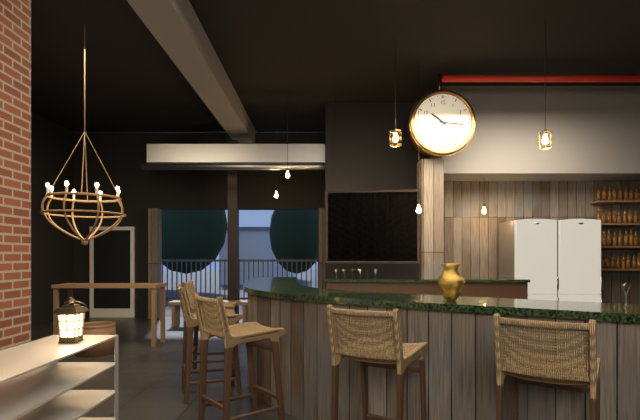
10.16
